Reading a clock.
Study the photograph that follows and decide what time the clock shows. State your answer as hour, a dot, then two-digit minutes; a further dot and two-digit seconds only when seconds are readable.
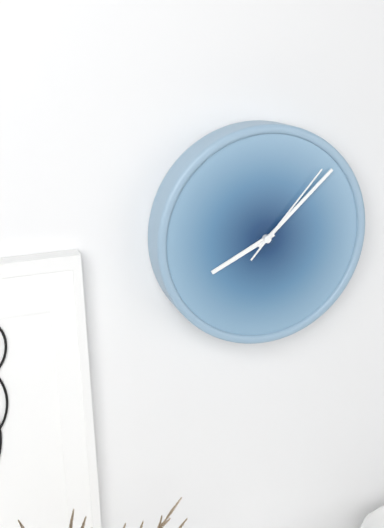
8.08.07
